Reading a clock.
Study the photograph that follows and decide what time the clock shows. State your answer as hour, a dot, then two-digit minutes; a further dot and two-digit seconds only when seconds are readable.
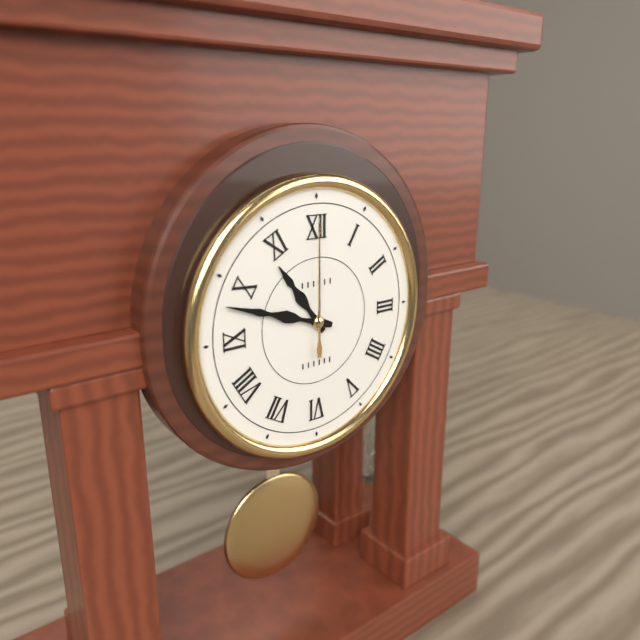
10.48.00
